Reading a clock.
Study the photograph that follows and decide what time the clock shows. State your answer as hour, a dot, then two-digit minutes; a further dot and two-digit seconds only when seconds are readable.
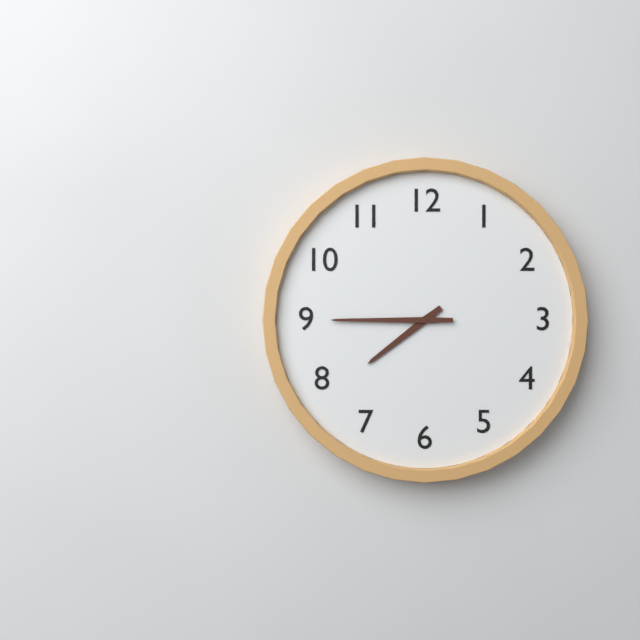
7.45
